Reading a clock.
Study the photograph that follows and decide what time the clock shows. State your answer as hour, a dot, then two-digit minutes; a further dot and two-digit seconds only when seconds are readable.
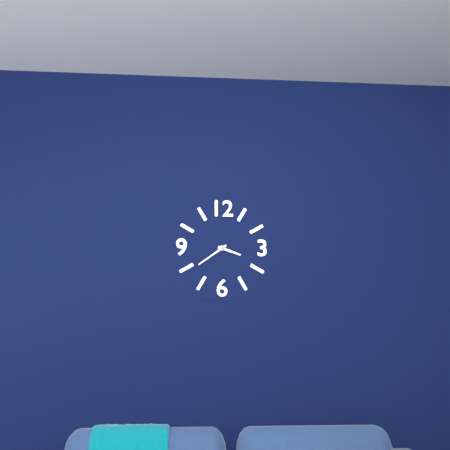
3.39
